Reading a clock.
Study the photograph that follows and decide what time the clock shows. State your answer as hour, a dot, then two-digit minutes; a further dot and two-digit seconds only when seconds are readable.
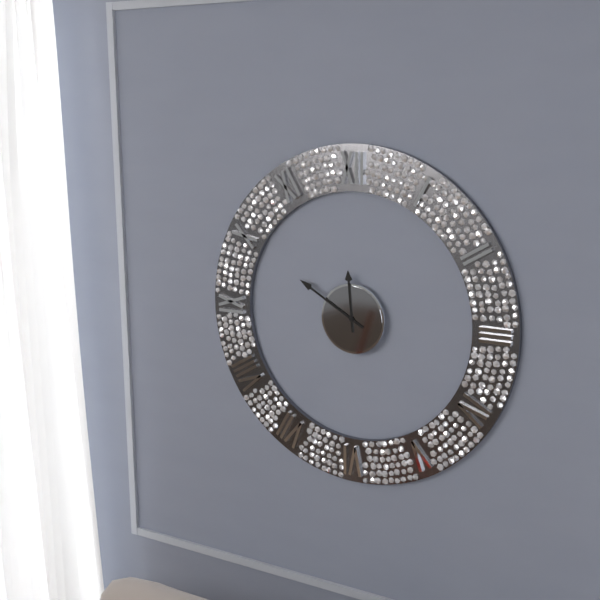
11.50
